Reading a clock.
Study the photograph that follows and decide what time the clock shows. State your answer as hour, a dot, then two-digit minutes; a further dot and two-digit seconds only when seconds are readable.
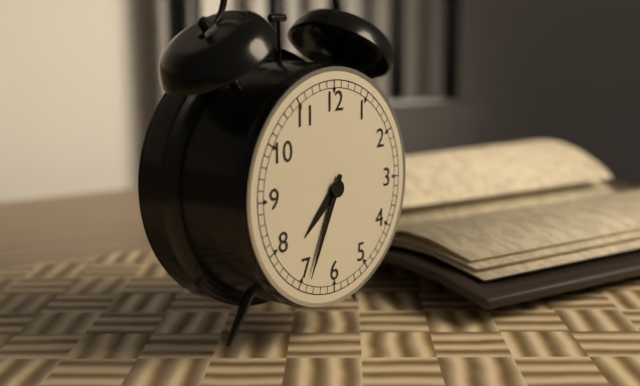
7.34
